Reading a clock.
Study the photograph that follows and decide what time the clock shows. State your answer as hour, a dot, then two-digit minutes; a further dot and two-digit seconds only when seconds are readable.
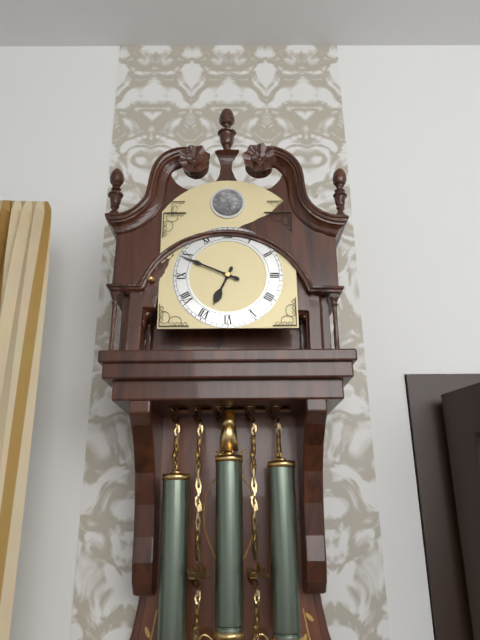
6.49
